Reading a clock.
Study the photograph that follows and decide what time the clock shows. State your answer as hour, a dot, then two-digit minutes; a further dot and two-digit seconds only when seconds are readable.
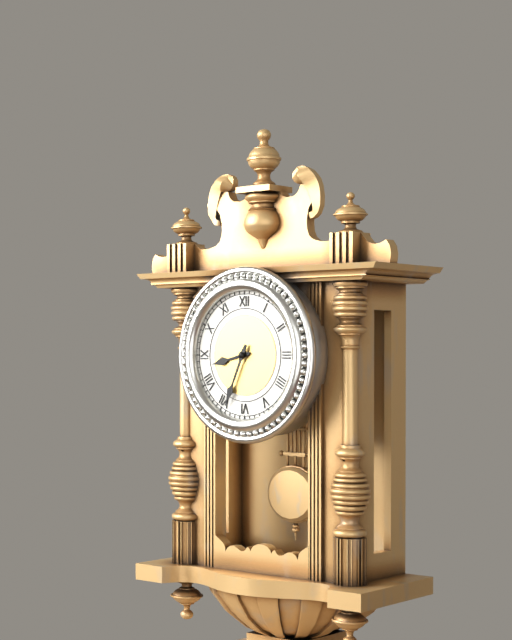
8.34
